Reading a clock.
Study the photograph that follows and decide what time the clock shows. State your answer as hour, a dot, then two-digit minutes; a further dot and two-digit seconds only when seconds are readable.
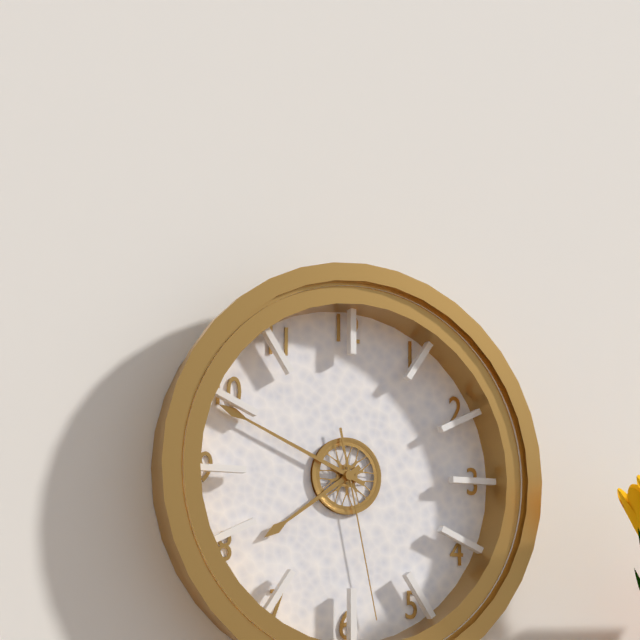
7.49.28
